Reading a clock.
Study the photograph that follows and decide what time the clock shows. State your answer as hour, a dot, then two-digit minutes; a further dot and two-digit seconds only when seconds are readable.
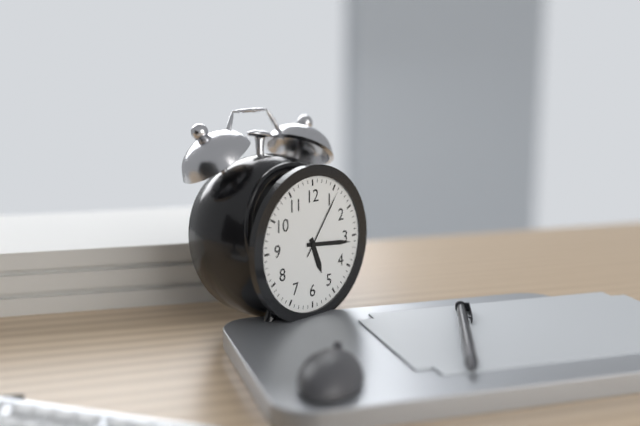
5.16.06
